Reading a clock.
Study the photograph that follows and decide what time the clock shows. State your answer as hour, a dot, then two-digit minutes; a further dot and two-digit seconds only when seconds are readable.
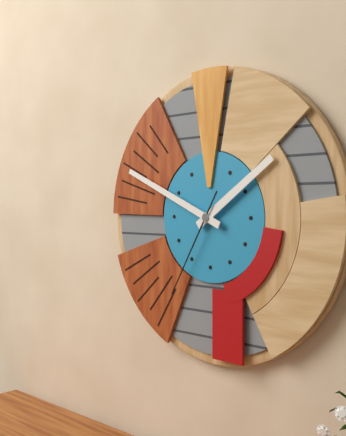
1.49.35
